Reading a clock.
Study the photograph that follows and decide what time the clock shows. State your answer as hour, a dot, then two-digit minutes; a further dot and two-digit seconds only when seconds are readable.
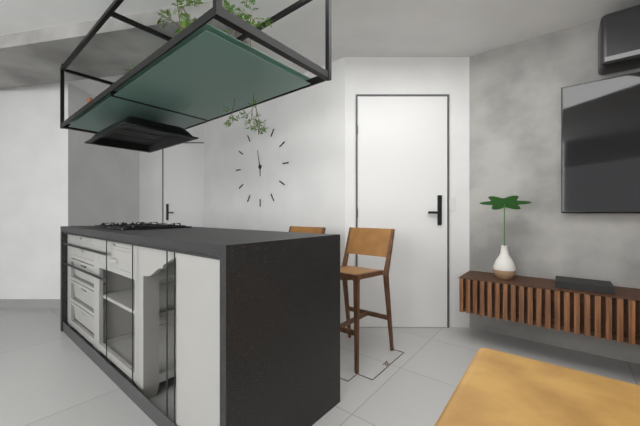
5.58
